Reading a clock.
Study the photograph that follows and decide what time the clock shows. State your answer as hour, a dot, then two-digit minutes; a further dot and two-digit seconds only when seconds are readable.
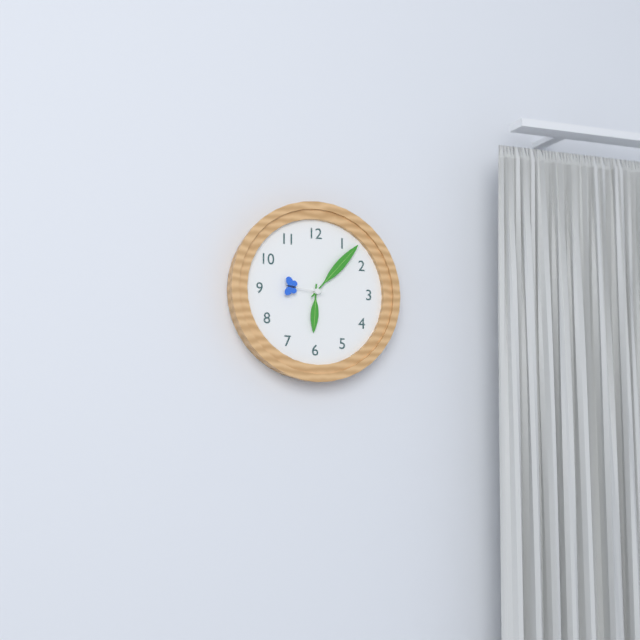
6.07
